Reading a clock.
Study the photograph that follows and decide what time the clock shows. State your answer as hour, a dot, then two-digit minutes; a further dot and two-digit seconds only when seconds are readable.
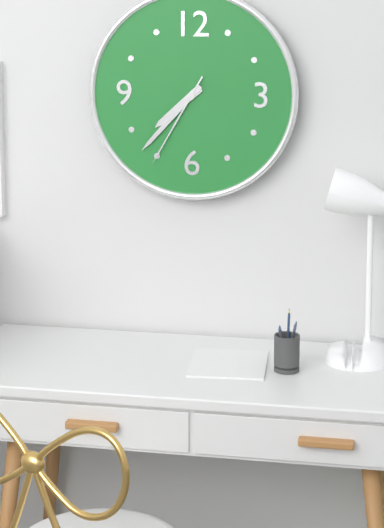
7.37.35
